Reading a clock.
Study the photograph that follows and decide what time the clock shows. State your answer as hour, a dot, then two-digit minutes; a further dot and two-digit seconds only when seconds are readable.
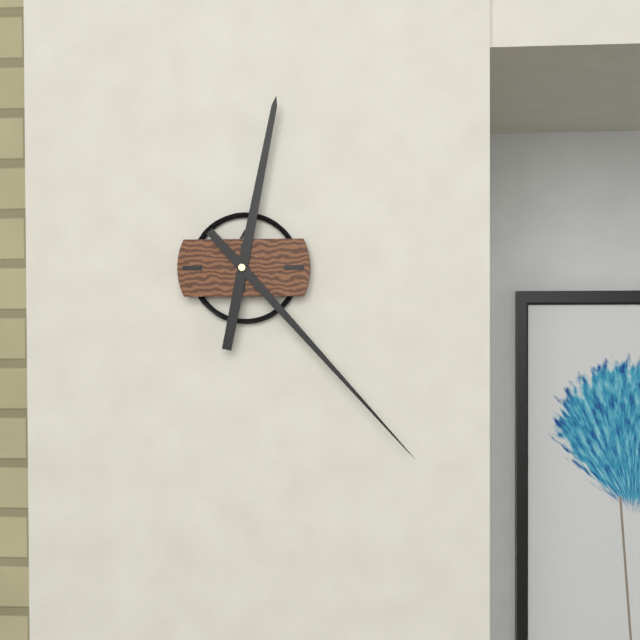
12.23
